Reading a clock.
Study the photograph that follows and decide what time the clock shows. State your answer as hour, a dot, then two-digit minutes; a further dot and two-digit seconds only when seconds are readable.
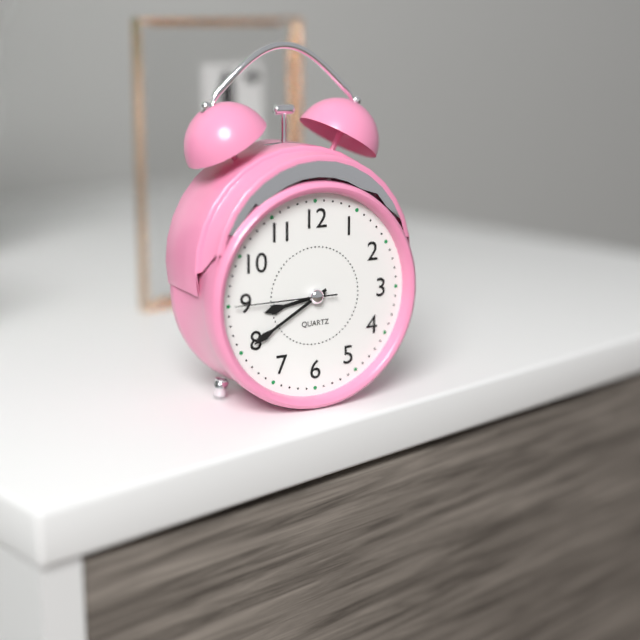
8.40.45
